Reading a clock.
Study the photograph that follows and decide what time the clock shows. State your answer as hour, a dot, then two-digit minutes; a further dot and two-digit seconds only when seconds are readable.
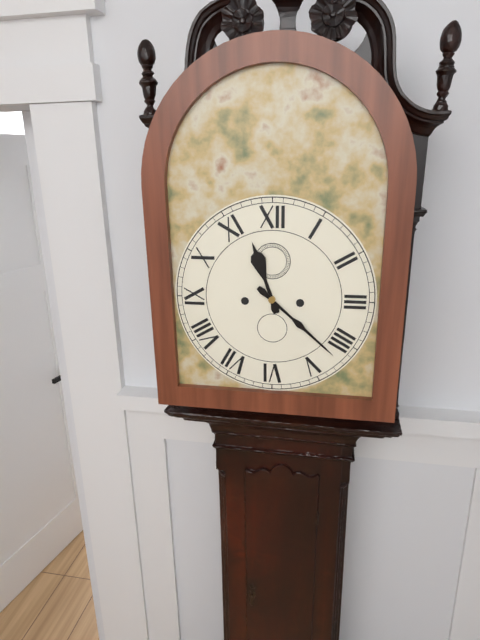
11.22
